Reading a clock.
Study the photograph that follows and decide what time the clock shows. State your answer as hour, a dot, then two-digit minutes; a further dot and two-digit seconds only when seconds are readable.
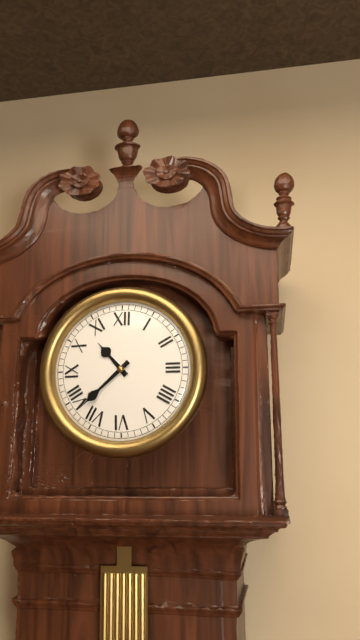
10.38
